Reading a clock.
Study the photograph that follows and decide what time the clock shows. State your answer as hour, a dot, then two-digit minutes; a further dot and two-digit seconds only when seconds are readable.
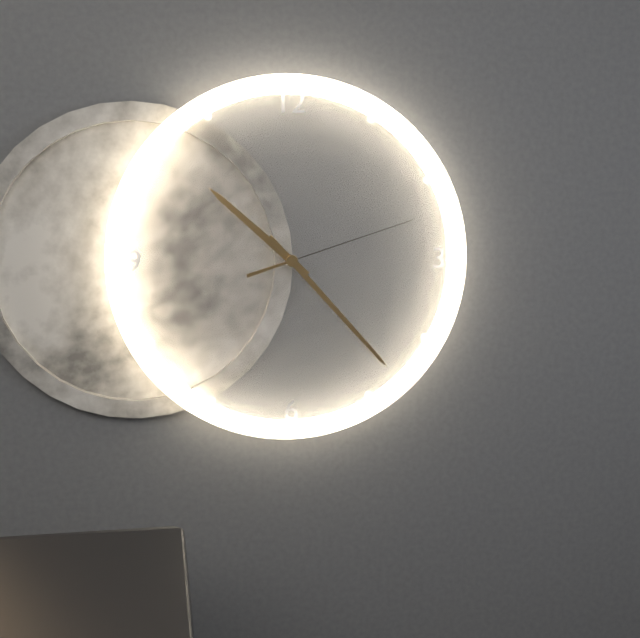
10.23.12
